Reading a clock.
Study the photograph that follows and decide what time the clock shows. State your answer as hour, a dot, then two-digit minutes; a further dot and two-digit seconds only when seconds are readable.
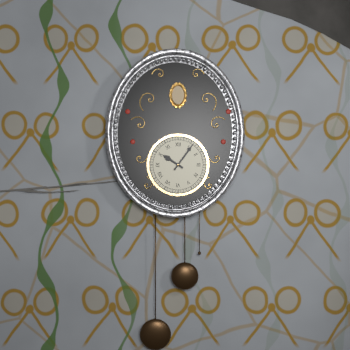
10.06
